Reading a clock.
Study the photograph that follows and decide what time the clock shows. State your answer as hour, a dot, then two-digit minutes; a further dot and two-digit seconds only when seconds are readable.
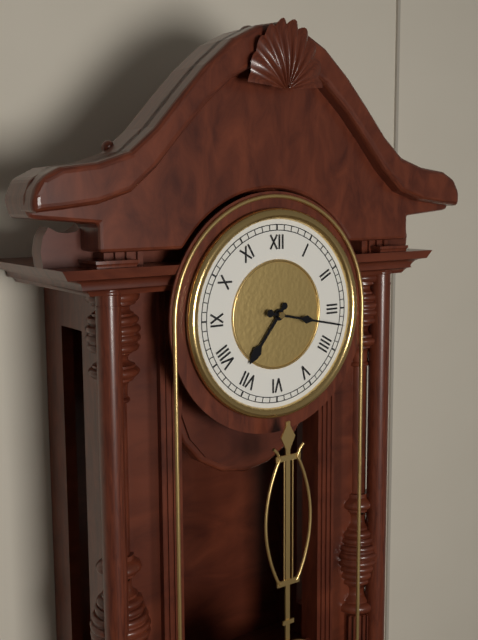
7.17
